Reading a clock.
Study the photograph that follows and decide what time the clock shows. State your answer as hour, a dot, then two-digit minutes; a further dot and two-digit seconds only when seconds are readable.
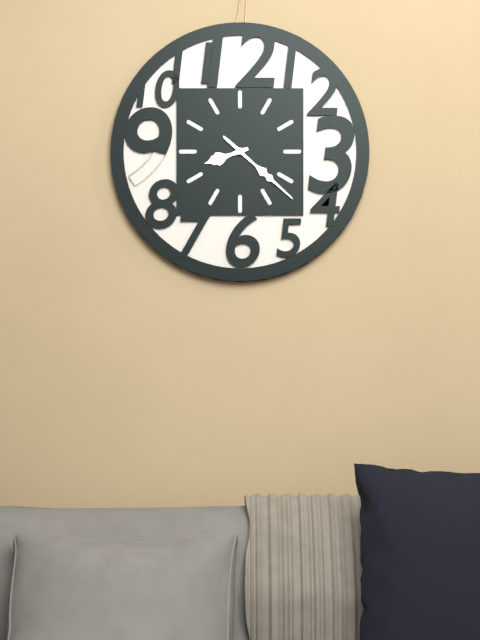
8.22
